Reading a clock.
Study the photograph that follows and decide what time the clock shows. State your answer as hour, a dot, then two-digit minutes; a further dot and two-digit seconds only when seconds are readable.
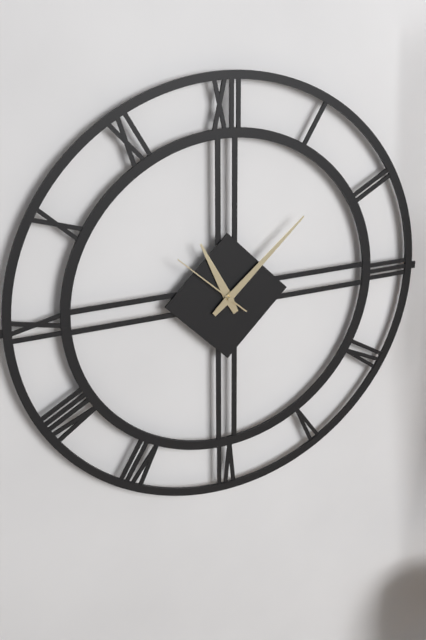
11.08.52
